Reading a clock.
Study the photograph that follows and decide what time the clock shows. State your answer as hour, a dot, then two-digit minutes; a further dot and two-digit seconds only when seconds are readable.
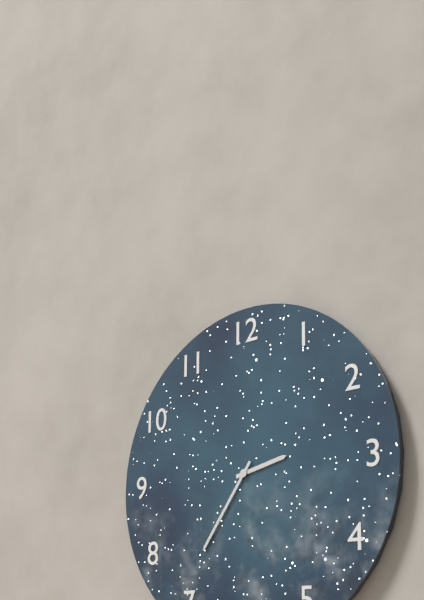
2.36
